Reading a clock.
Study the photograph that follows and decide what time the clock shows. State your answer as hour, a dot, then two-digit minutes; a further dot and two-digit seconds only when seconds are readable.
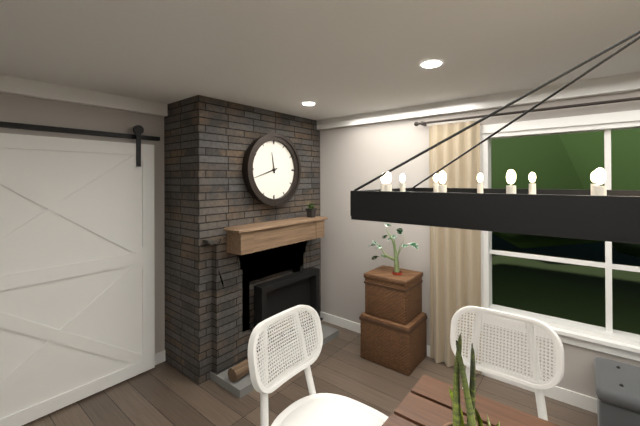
11.42
